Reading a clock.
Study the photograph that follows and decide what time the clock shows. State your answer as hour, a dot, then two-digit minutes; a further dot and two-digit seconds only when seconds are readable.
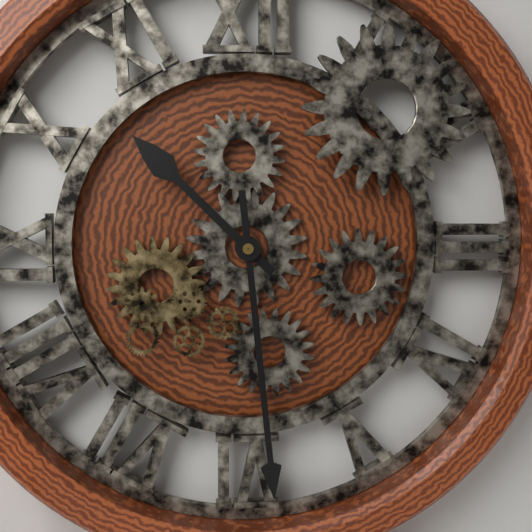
10.29
